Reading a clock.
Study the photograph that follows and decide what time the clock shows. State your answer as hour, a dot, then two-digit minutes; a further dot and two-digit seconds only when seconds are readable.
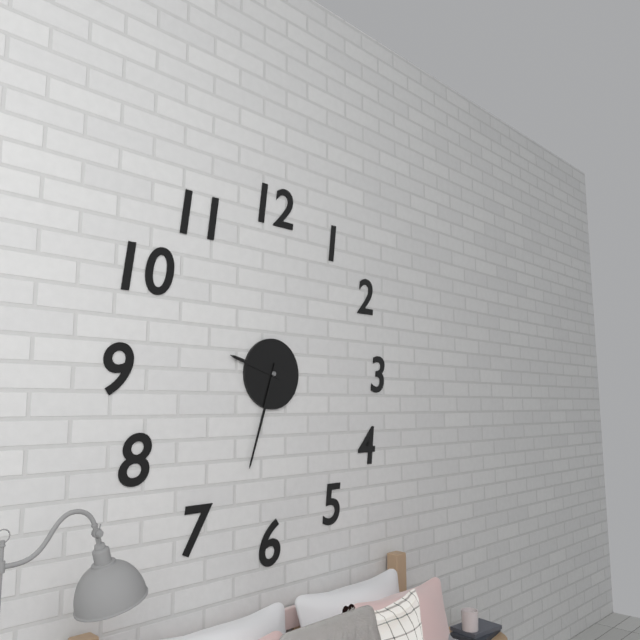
9.33
